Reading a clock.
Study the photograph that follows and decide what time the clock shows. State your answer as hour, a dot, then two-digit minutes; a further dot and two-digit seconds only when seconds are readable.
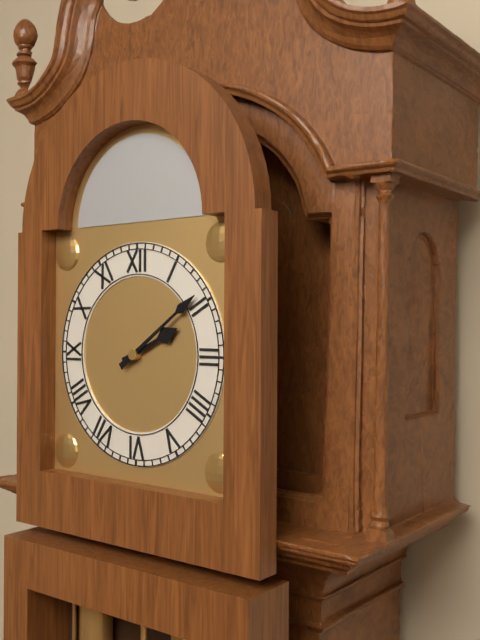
2.09
